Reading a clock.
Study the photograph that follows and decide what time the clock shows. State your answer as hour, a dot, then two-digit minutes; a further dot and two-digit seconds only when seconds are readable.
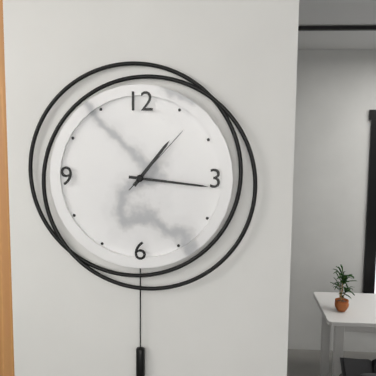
1.16.07
